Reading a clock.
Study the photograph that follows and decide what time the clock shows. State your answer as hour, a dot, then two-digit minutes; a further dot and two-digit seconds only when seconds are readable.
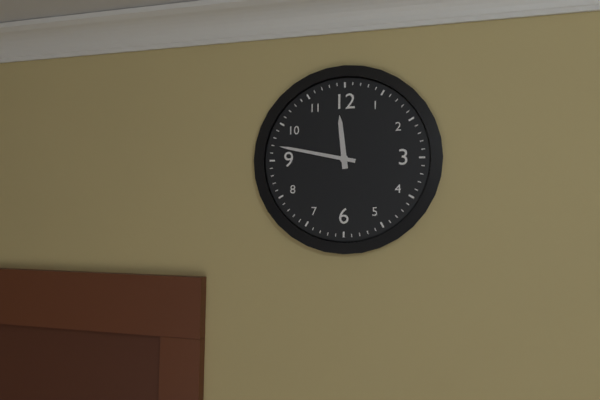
11.47
